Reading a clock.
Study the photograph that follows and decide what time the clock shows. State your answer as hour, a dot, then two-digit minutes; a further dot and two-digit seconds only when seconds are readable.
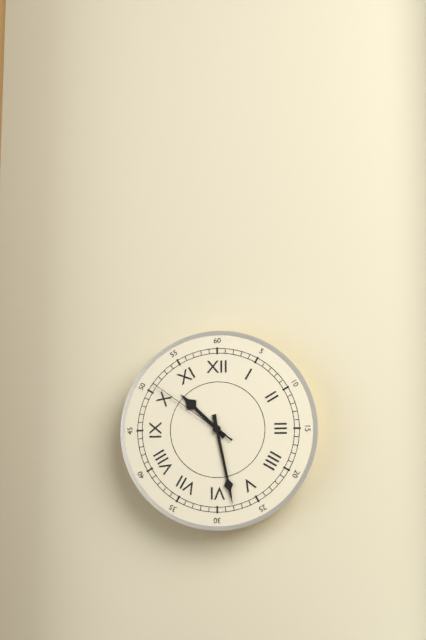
10.28.51
